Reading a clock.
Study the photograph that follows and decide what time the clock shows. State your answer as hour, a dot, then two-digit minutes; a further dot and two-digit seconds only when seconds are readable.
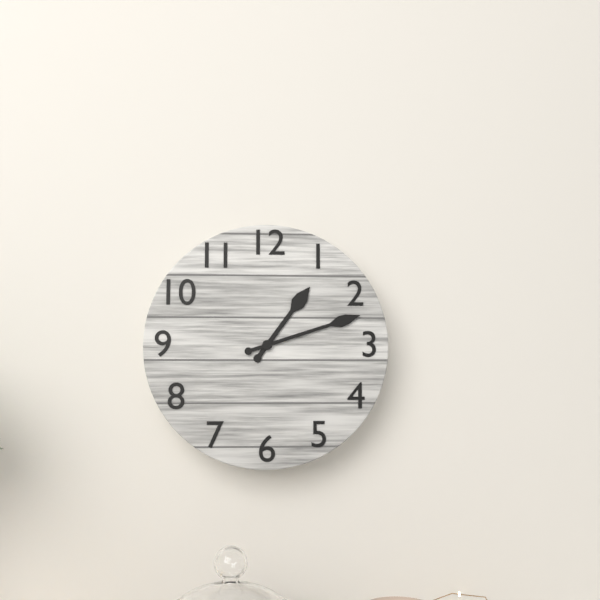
1.12
